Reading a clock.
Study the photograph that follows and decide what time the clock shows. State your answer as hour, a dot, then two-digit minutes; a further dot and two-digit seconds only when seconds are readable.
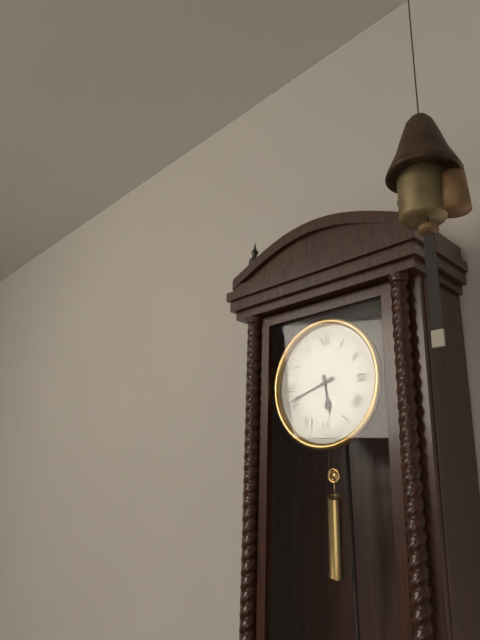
5.42
